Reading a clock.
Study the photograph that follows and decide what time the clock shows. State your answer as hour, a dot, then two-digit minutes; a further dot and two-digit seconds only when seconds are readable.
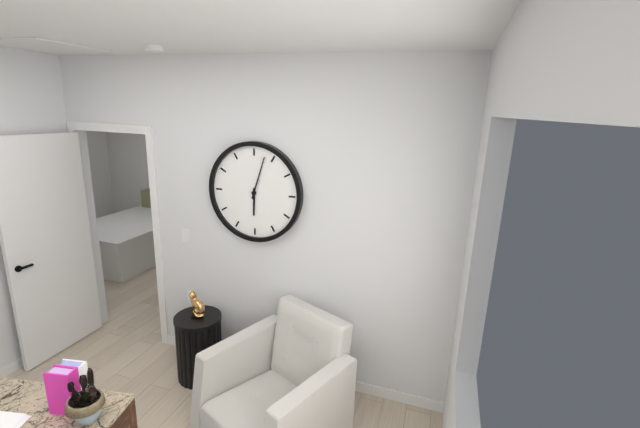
6.03
